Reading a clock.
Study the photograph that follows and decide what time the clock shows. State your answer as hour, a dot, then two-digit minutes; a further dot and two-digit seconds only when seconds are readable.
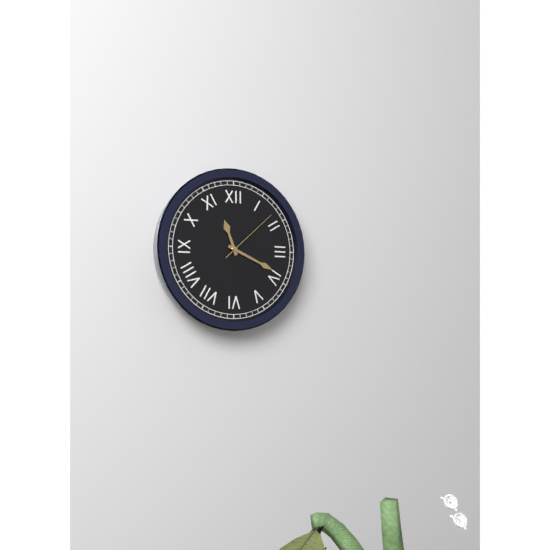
11.19.08
